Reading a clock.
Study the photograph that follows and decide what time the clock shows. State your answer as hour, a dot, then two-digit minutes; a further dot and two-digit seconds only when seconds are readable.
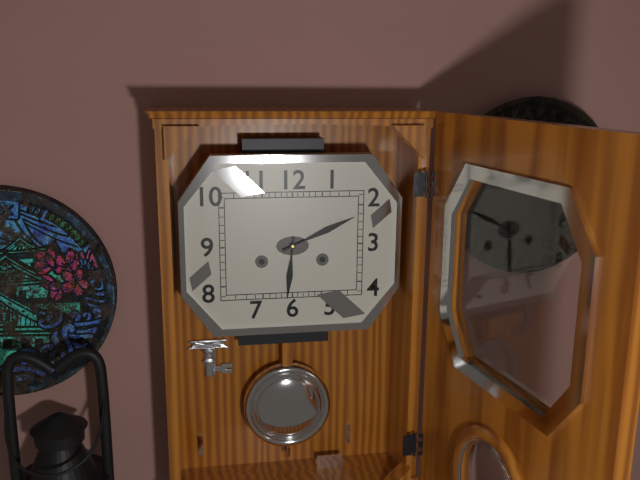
6.11
